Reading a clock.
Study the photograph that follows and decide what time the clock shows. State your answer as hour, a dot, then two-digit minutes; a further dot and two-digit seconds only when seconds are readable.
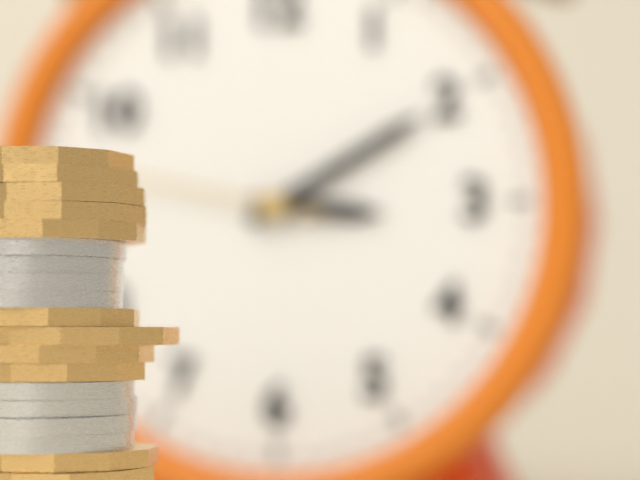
3.10.47
